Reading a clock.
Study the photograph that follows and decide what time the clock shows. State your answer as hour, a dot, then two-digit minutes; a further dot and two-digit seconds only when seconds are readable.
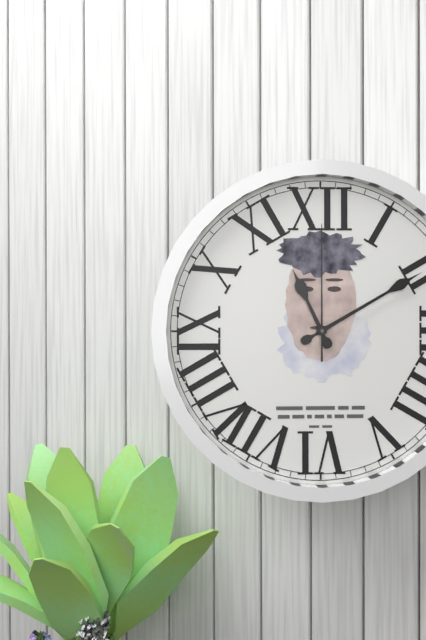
11.10.00
